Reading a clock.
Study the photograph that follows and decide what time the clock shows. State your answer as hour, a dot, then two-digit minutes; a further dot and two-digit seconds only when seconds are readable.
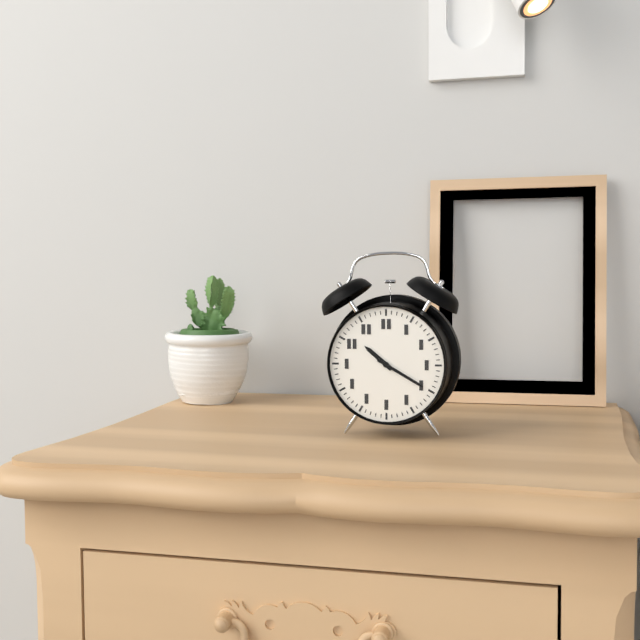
10.20
